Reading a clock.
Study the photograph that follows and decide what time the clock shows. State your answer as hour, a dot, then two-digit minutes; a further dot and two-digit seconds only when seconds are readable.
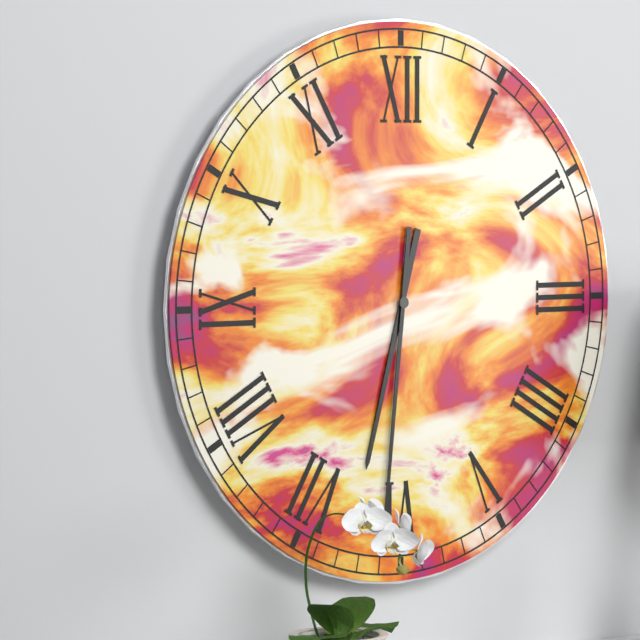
6.31
